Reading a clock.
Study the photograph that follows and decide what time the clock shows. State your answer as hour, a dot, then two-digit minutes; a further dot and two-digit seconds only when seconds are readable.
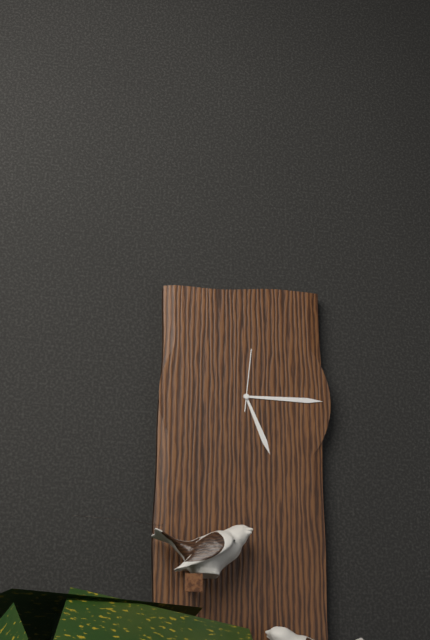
5.15.01
